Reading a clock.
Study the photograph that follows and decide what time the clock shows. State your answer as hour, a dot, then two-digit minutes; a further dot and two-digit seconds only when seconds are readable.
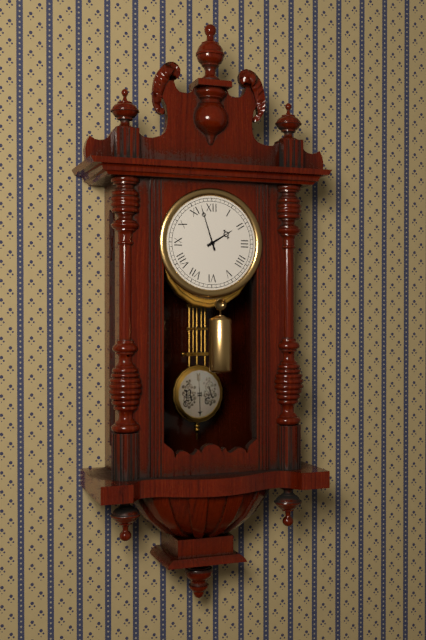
1.57
